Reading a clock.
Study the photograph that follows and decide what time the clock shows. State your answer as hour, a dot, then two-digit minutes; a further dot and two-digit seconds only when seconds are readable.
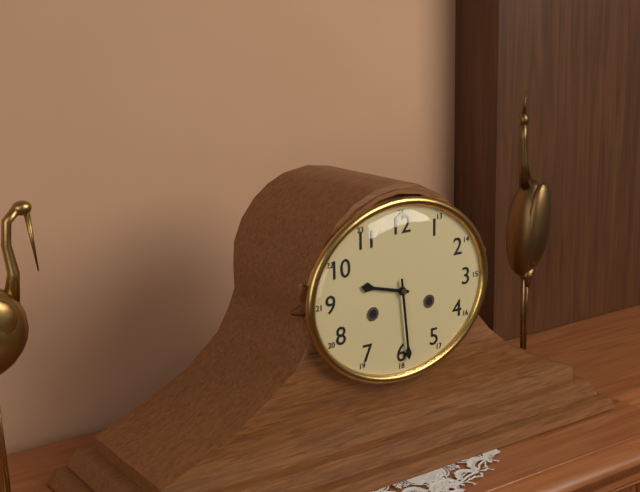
9.29
